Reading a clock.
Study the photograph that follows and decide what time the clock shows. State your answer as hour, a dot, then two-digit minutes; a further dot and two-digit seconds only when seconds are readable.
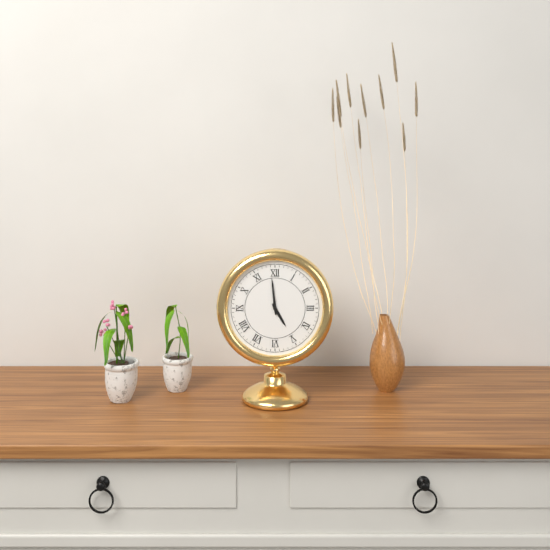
4.59
